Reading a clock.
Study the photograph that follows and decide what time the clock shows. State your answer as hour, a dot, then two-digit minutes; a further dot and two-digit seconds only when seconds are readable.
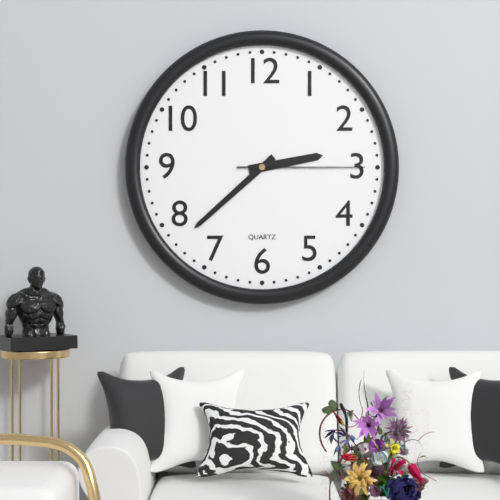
2.38.15
